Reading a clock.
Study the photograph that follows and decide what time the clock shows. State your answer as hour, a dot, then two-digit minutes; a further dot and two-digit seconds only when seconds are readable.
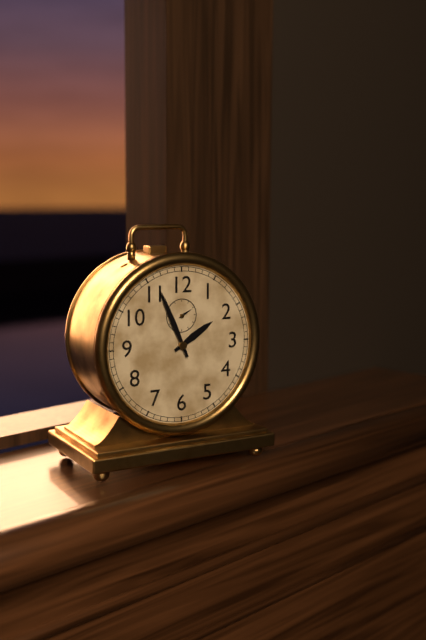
1.56
